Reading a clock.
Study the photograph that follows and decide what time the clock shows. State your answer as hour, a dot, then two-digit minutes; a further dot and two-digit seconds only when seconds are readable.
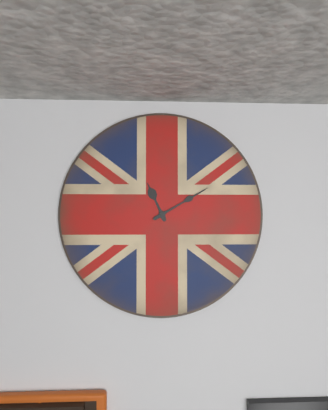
11.10
